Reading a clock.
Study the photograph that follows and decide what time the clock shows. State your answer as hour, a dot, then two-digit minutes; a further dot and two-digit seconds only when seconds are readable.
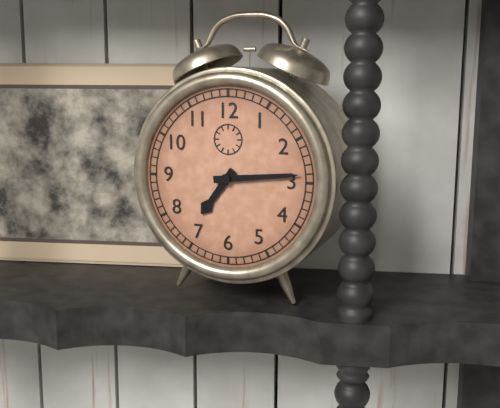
7.14
